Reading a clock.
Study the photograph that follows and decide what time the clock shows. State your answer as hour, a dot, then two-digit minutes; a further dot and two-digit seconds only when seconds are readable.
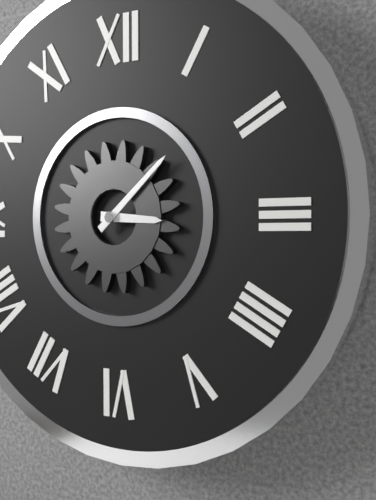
3.08
